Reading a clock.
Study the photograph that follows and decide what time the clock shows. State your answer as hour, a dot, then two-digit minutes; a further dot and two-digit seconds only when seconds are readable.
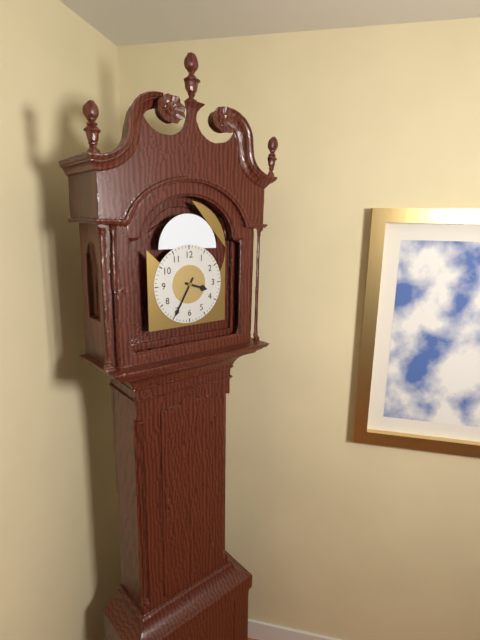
3.35
